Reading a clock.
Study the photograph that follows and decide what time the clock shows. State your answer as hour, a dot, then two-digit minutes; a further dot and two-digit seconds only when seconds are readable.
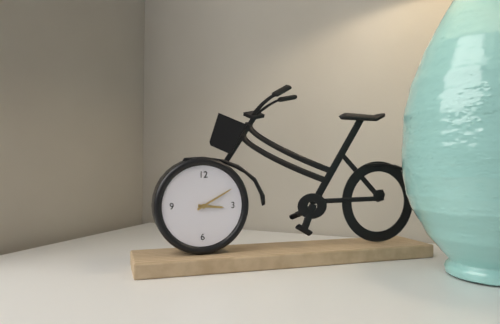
3.10
